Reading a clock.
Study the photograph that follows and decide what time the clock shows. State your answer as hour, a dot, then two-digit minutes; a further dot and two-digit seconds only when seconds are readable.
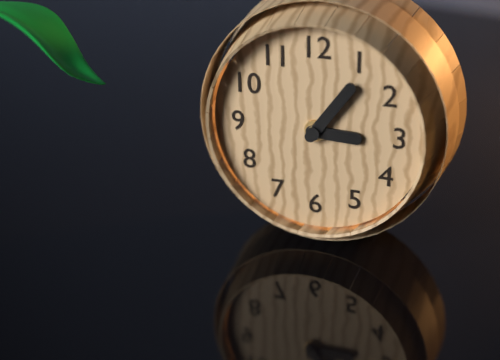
3.06
